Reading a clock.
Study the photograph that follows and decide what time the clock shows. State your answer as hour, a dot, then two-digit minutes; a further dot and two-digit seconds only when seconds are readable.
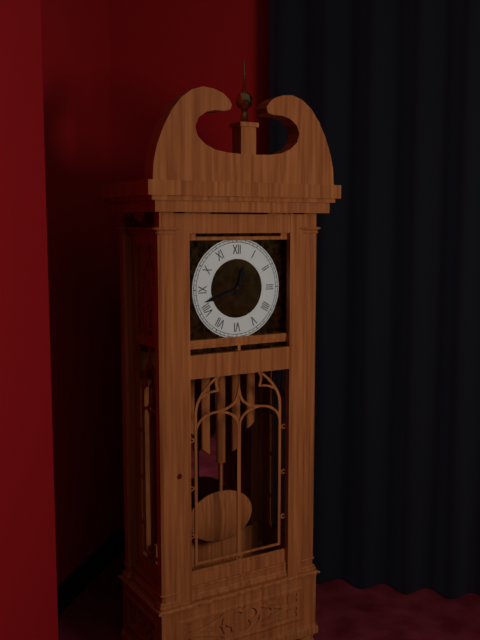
12.42
